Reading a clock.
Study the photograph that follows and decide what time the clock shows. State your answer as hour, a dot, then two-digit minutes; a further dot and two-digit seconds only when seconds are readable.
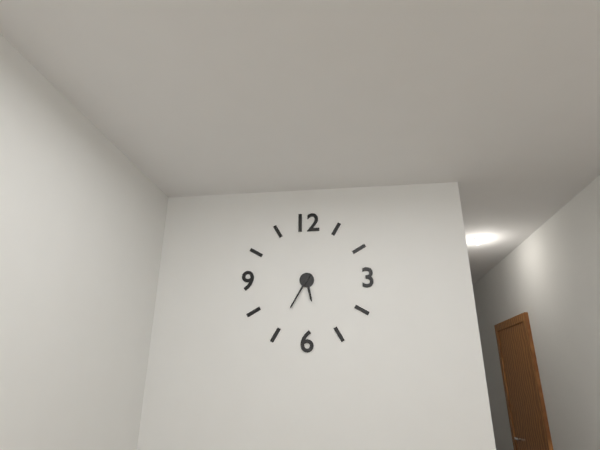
5.35
